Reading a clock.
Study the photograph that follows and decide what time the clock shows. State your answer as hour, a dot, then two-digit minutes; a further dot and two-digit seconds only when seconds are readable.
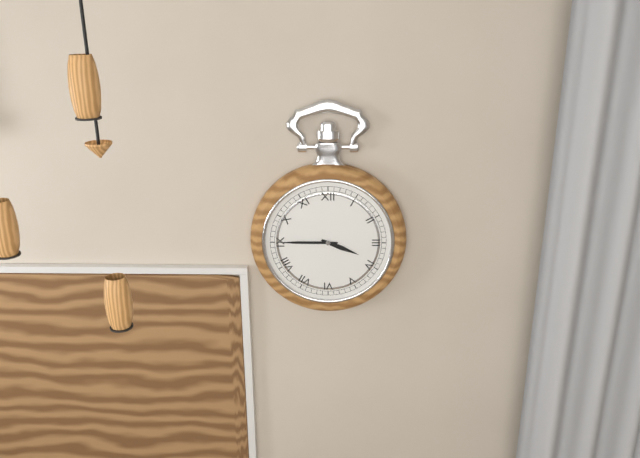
3.45
